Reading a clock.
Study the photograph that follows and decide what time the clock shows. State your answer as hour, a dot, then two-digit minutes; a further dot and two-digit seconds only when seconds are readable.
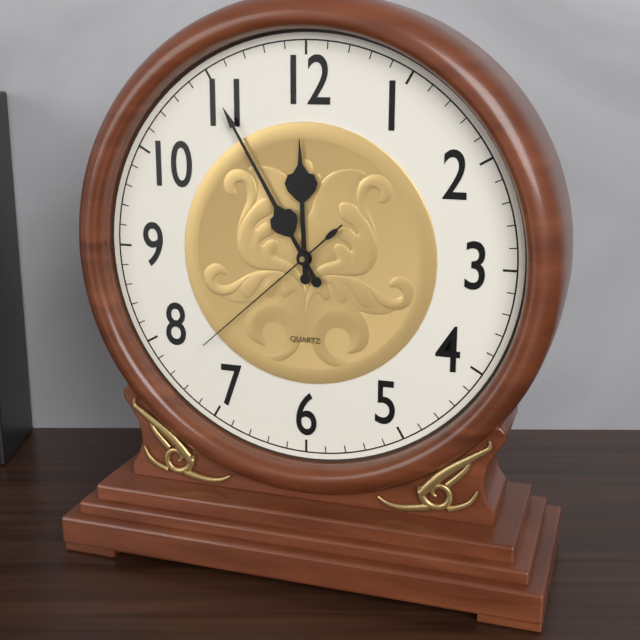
11.55.38
